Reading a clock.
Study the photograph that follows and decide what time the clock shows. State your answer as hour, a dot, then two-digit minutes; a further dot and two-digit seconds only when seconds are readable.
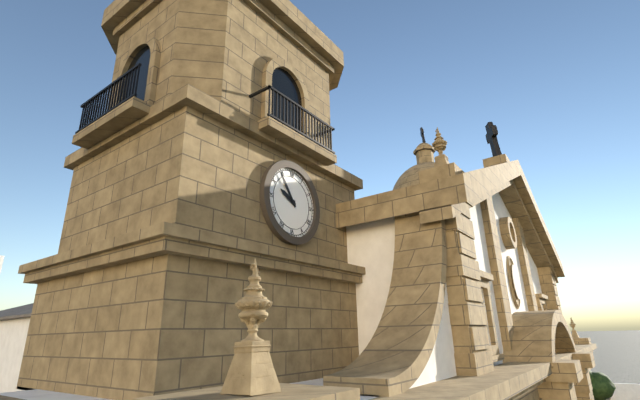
9.54
